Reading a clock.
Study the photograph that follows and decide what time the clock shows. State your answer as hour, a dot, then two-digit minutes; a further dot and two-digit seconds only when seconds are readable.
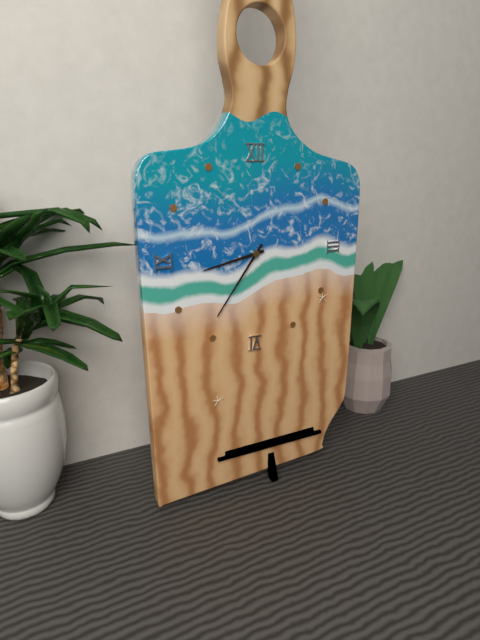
8.36
